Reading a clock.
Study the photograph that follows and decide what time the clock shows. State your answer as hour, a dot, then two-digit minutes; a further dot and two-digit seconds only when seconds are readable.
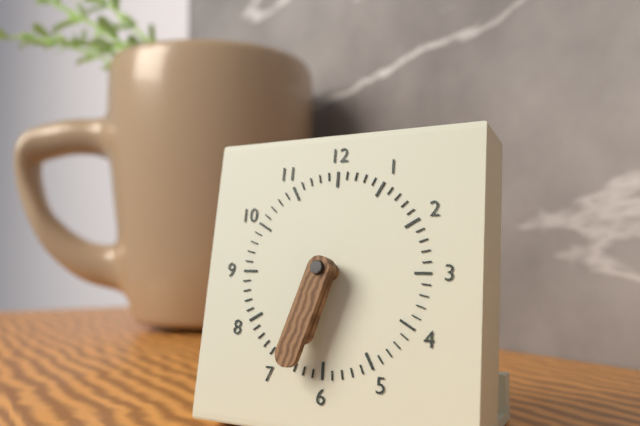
6.33
